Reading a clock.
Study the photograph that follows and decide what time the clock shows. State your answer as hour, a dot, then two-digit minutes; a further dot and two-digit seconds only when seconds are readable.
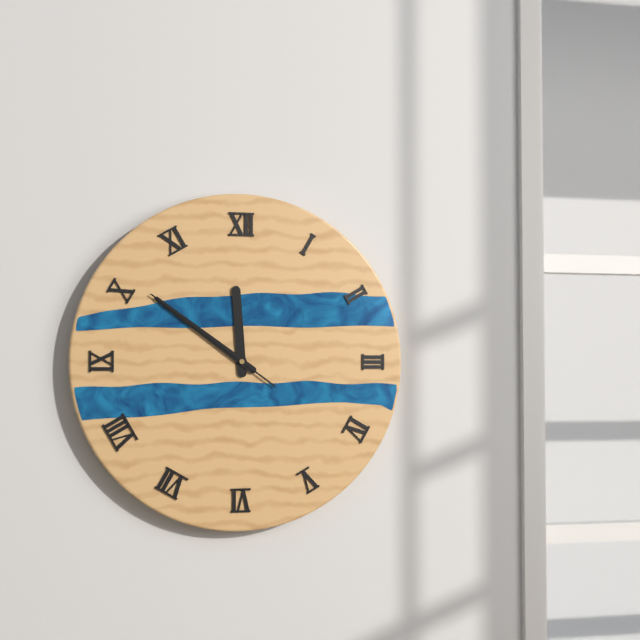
11.51.51
